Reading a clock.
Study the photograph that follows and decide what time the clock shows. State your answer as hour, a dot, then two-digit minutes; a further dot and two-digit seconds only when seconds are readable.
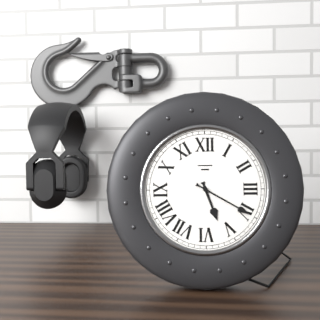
5.20
